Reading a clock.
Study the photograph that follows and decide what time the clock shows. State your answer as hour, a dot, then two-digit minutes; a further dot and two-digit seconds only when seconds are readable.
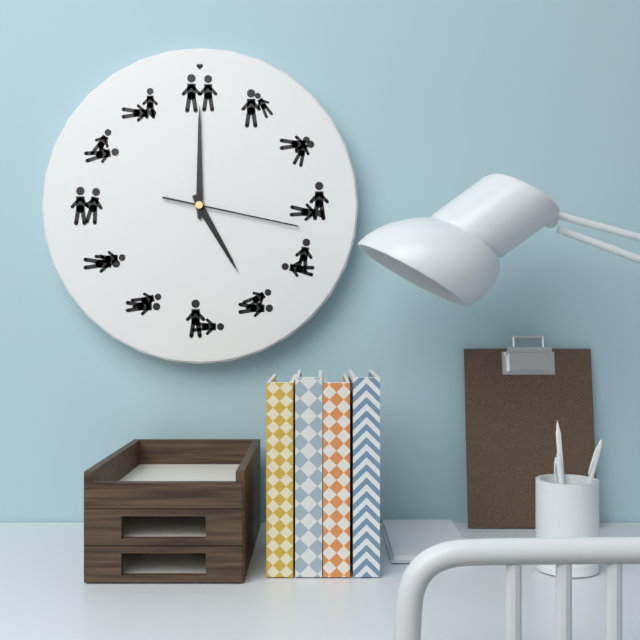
5.00.17
